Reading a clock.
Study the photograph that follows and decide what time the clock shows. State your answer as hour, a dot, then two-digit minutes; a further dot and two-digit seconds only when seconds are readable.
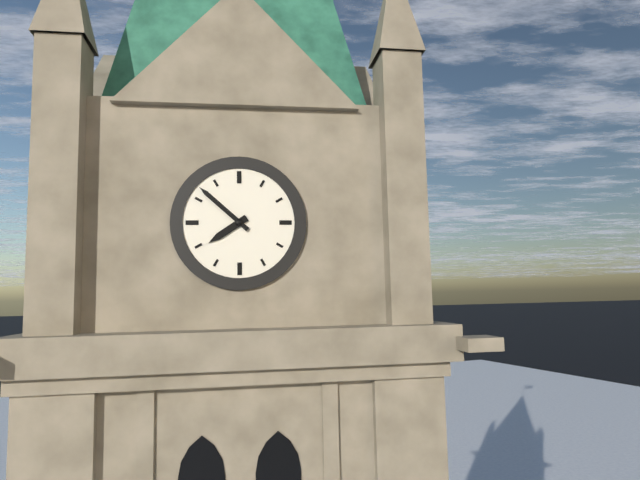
7.52
